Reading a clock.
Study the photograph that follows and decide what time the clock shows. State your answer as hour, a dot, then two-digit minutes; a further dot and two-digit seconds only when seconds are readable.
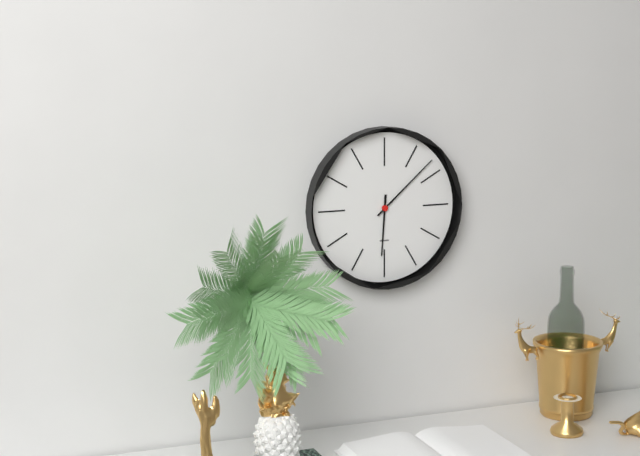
6.08
